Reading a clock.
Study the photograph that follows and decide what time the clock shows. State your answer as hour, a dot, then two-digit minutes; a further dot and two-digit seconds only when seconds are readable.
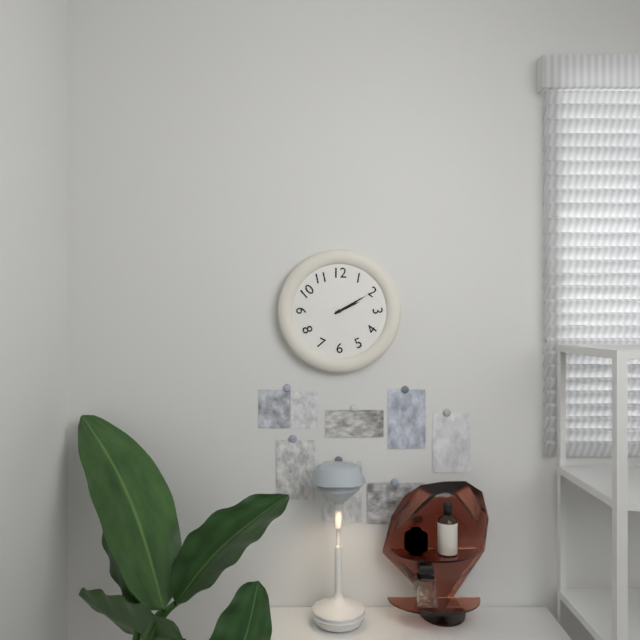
2.10
